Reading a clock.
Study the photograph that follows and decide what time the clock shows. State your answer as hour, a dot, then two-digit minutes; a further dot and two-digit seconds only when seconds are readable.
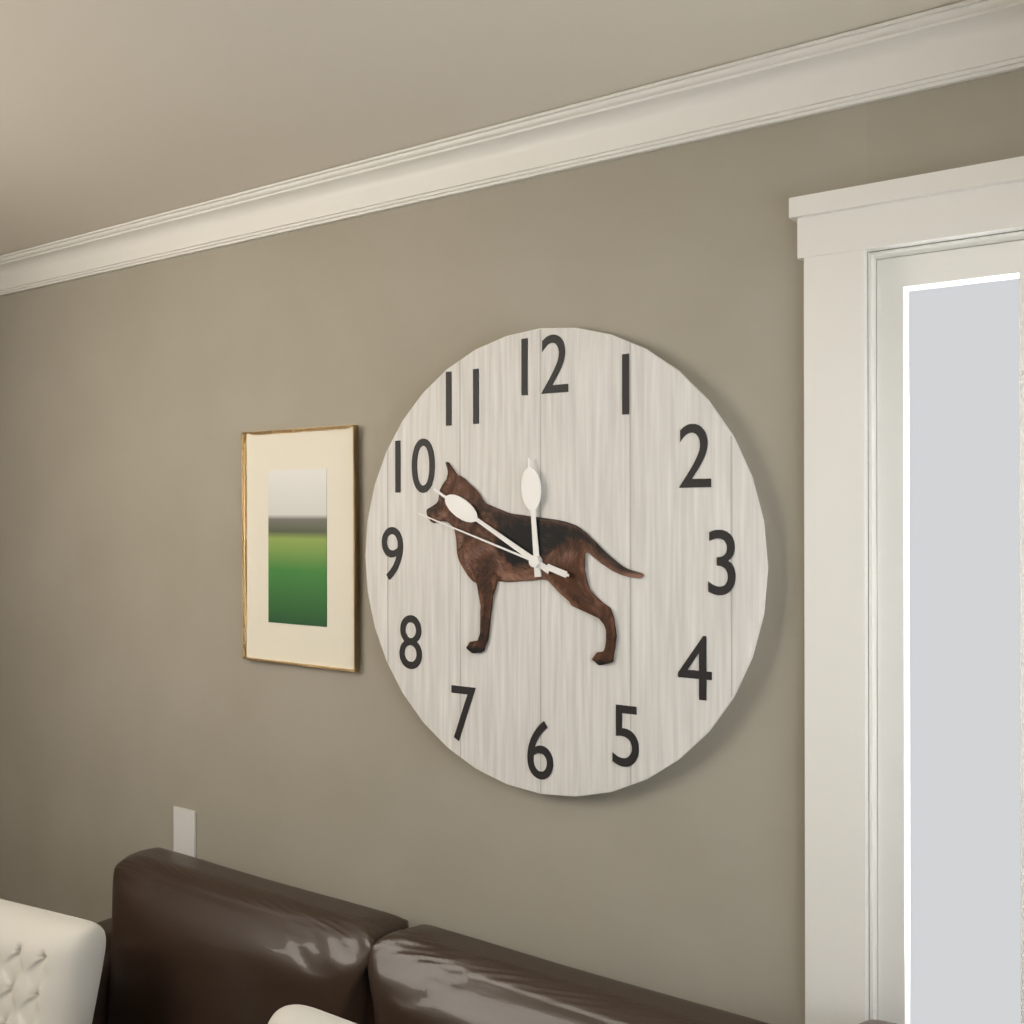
11.50.48
